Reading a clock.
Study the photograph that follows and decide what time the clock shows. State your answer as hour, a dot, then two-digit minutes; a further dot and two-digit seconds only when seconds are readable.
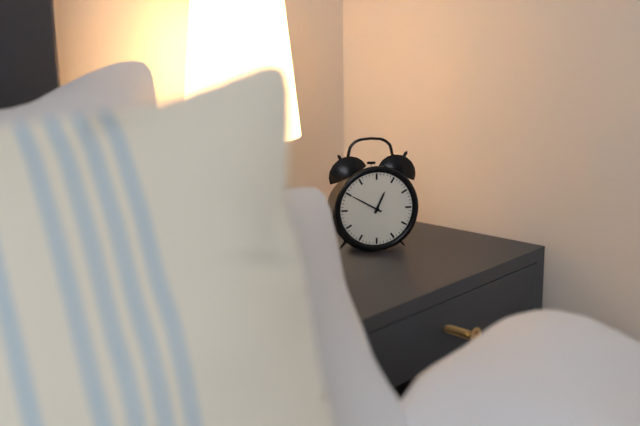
12.50
